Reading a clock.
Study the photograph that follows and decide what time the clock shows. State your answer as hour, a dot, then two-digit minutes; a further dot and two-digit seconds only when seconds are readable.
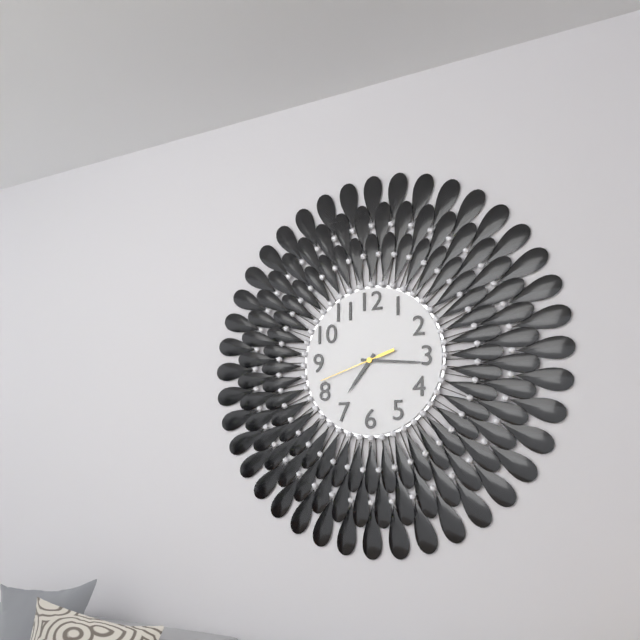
7.16.42
